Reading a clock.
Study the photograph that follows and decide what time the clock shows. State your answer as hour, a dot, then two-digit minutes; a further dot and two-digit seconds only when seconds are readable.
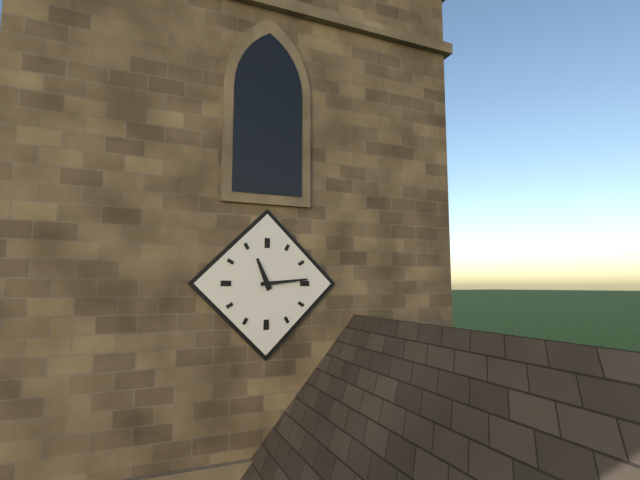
11.14
